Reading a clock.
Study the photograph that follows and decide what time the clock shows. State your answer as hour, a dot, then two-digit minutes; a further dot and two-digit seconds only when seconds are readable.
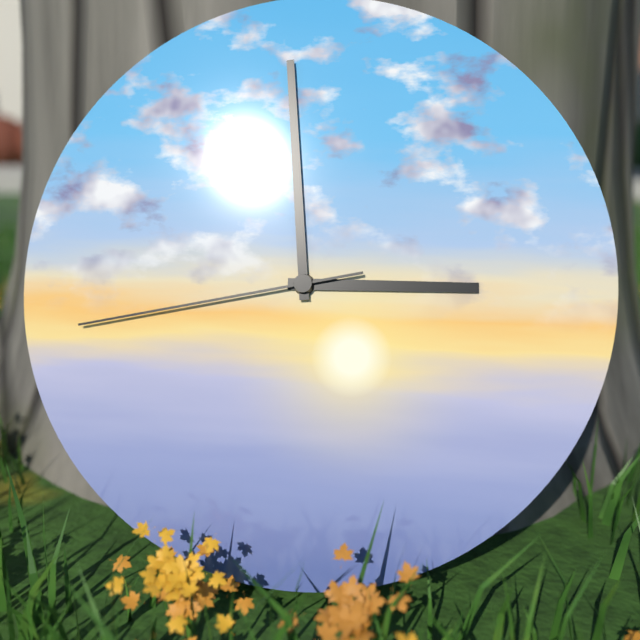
2.59.43
